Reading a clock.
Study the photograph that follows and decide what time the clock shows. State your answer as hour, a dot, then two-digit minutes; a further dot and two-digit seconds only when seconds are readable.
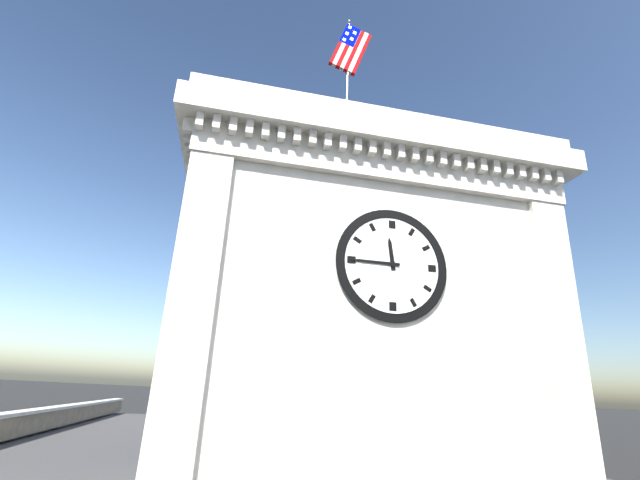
11.45
